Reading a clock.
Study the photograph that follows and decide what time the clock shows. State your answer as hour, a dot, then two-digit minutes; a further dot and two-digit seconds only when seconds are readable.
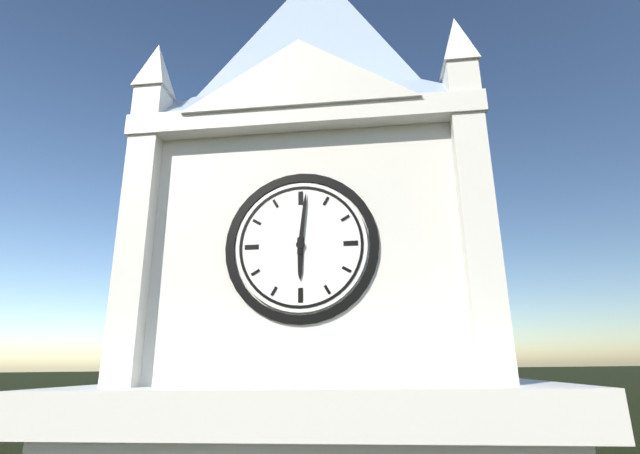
6.01
